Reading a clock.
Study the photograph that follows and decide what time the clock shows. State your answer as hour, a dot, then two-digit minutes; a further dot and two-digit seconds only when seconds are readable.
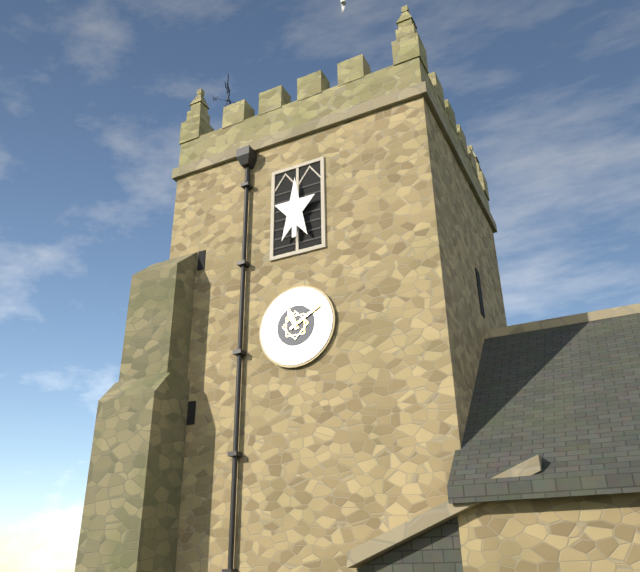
11.10
